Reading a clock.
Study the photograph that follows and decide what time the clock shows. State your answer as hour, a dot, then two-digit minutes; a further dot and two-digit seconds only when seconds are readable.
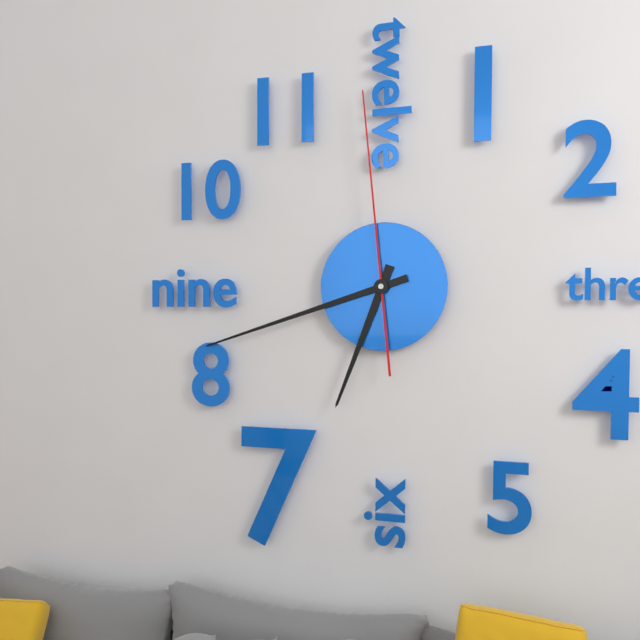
6.42.59
